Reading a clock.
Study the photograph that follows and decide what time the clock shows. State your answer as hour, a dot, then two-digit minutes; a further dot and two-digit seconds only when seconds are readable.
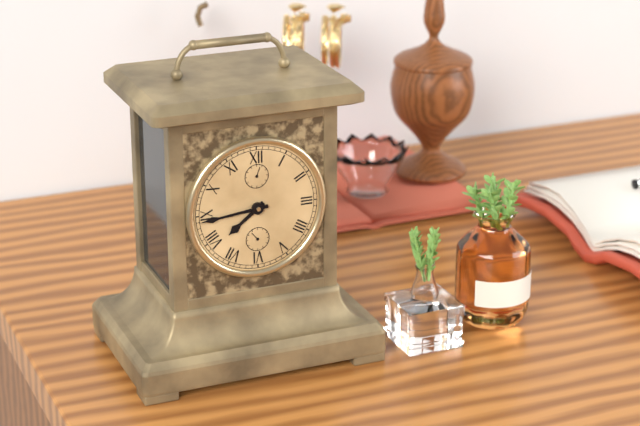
7.44
